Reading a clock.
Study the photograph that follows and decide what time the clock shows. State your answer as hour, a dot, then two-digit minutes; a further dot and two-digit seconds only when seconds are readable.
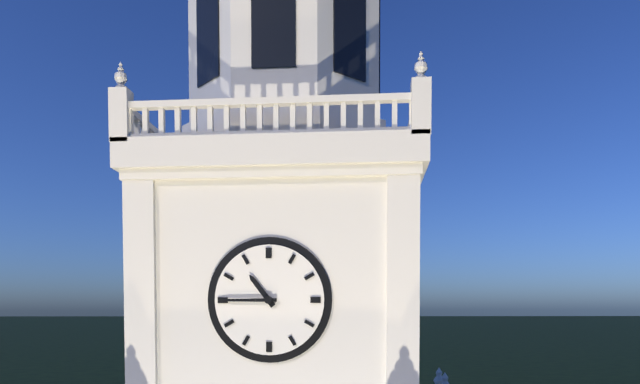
10.45
